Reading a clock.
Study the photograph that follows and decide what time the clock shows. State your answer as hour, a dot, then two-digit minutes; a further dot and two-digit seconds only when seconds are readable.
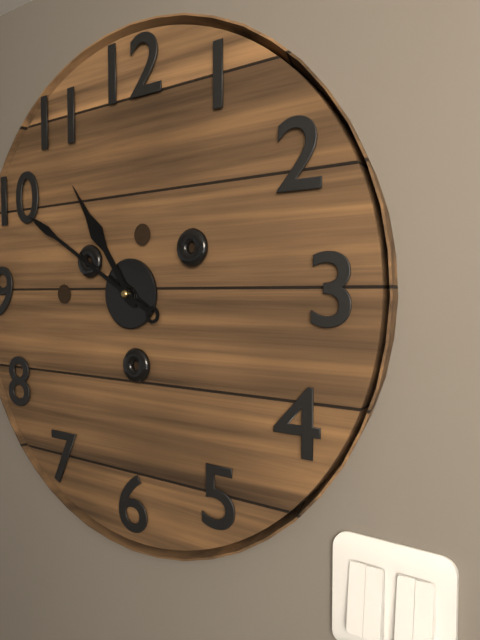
10.50
